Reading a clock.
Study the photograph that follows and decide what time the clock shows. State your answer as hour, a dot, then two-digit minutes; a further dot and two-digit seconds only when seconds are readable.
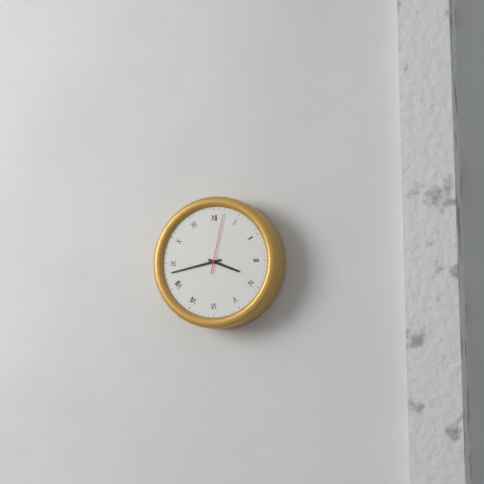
3.43.02
